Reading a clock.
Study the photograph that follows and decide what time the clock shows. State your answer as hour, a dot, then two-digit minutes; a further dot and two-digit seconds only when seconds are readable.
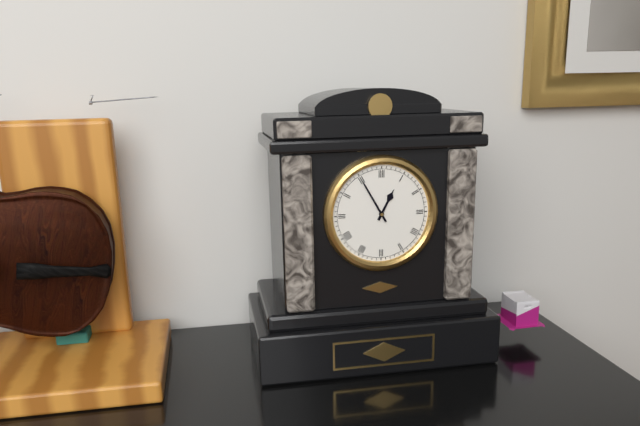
12.55
